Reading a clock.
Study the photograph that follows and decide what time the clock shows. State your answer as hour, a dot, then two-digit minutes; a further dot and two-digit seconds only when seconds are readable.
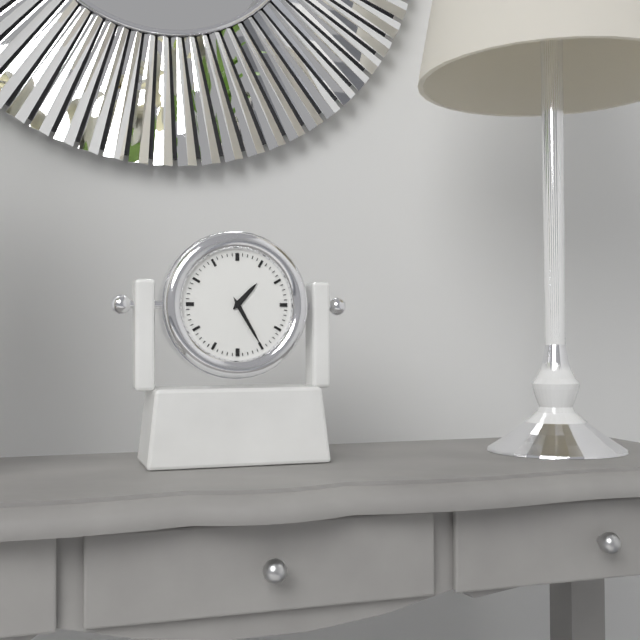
1.25
